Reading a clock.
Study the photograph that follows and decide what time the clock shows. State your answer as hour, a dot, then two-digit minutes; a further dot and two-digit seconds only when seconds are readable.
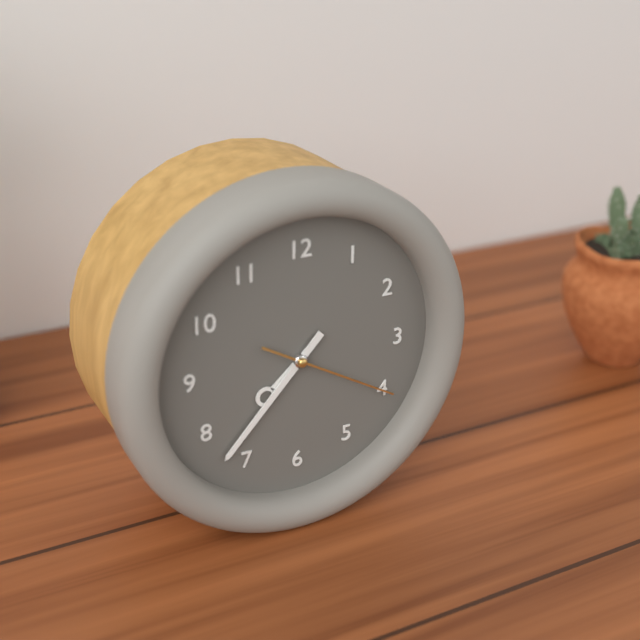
7.37.20
